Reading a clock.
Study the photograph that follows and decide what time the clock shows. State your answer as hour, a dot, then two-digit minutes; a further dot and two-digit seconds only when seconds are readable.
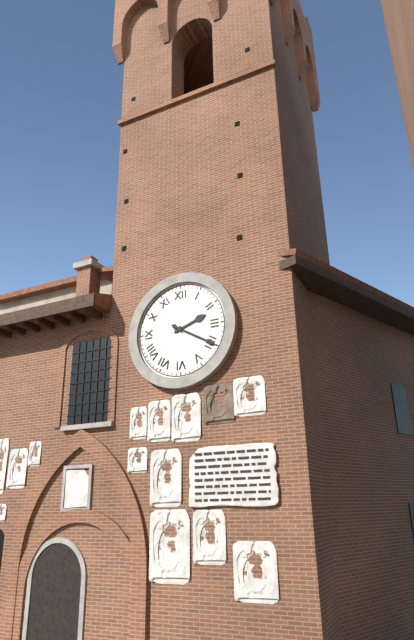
2.20
